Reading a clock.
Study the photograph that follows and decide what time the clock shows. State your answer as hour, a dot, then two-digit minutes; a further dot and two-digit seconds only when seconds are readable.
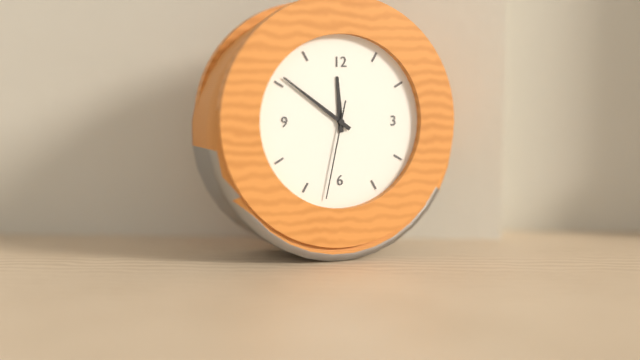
11.51.32
